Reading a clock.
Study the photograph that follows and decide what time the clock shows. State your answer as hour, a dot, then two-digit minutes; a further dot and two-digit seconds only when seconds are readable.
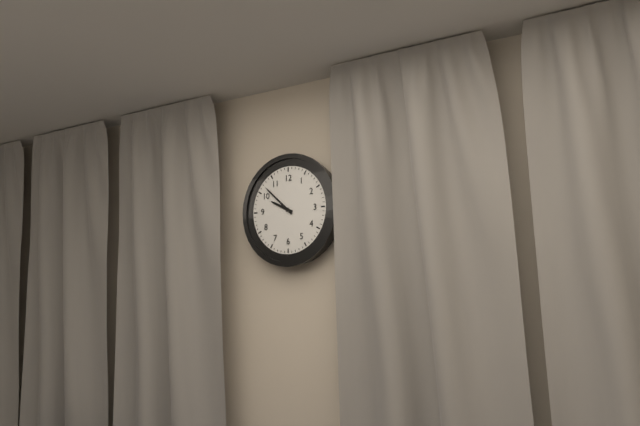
9.52
